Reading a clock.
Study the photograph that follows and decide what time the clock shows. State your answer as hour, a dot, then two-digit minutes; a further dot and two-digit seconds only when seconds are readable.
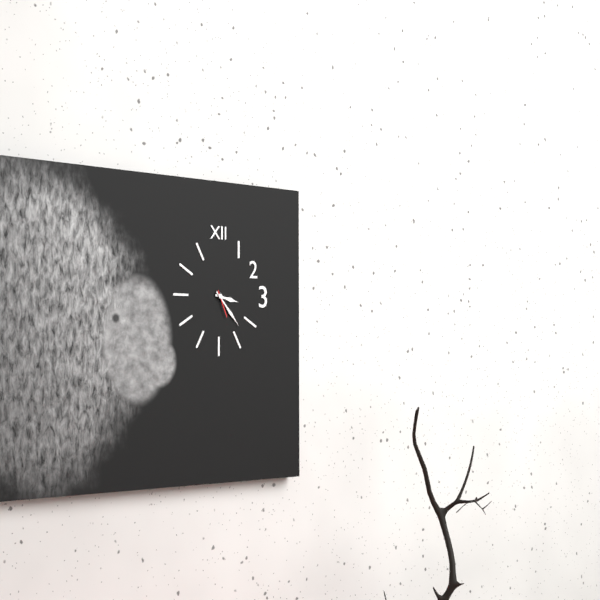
3.23
